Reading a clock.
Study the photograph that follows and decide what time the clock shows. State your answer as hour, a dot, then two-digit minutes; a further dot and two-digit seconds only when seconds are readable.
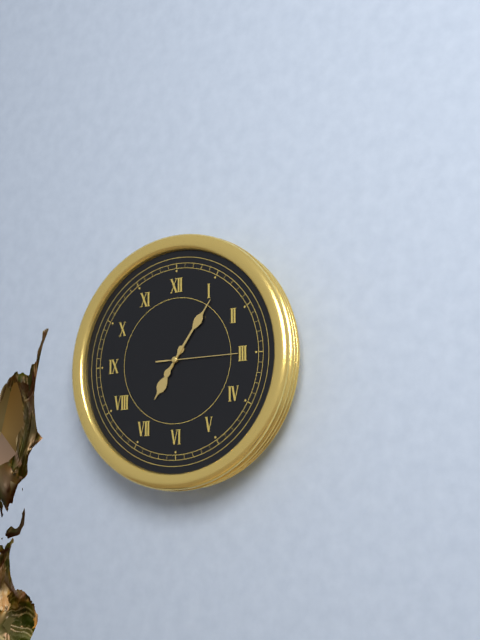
7.06.15
